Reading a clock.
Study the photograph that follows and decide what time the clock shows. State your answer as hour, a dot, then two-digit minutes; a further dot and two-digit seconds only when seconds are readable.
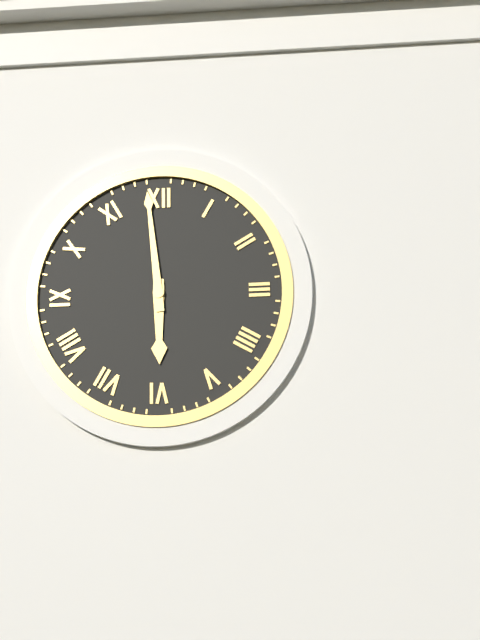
5.59
